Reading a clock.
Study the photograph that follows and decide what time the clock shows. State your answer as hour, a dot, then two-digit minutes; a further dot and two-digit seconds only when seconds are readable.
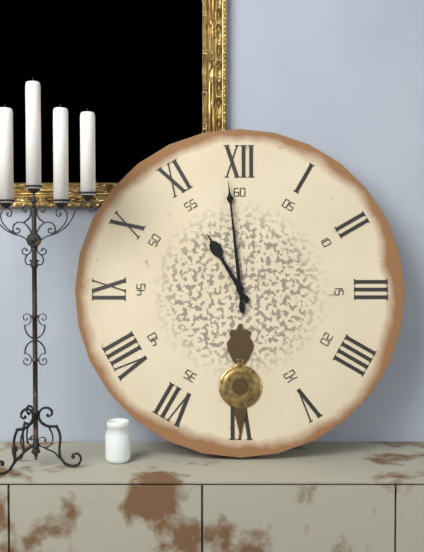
10.59
